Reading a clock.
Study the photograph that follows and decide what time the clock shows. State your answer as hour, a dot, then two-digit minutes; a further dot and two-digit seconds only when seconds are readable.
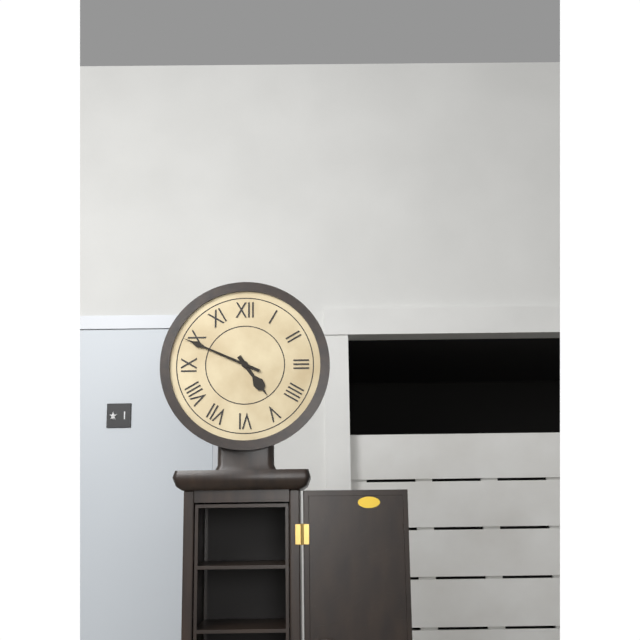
4.49
